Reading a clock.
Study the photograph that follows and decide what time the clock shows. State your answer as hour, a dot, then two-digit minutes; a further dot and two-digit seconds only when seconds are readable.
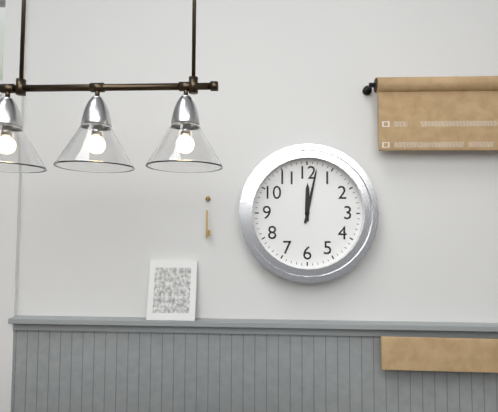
12.02
